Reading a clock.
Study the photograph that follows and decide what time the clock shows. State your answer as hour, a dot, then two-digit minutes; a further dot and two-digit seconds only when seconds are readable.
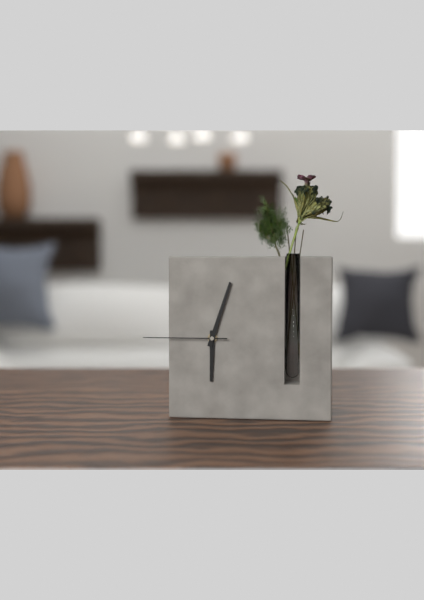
6.03.45
